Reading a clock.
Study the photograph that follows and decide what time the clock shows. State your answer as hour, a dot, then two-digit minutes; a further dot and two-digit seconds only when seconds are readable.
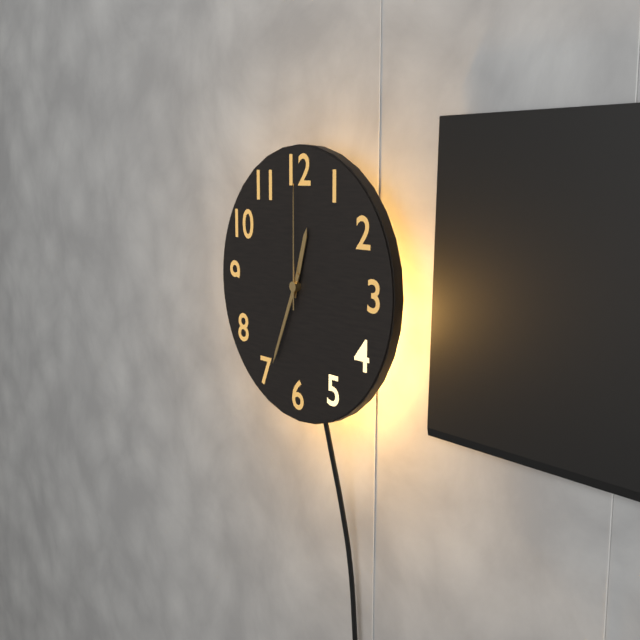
12.34.00
